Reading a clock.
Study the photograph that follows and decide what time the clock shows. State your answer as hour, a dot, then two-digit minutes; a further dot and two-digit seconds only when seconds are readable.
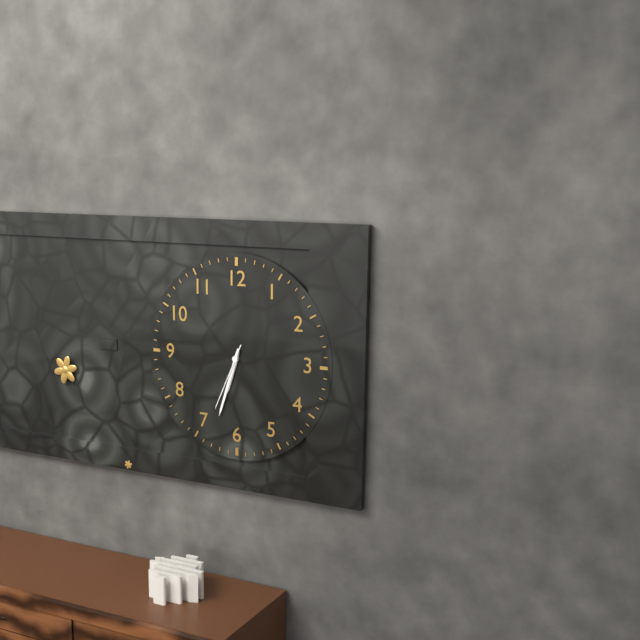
6.33.34
